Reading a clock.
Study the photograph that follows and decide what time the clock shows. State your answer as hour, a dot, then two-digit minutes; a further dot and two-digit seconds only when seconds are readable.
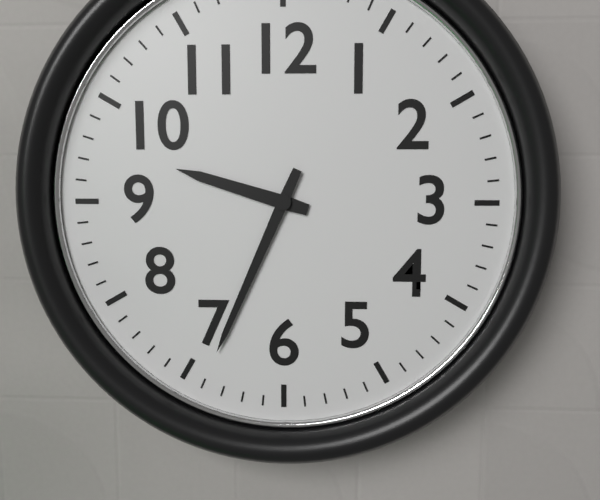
9.34
